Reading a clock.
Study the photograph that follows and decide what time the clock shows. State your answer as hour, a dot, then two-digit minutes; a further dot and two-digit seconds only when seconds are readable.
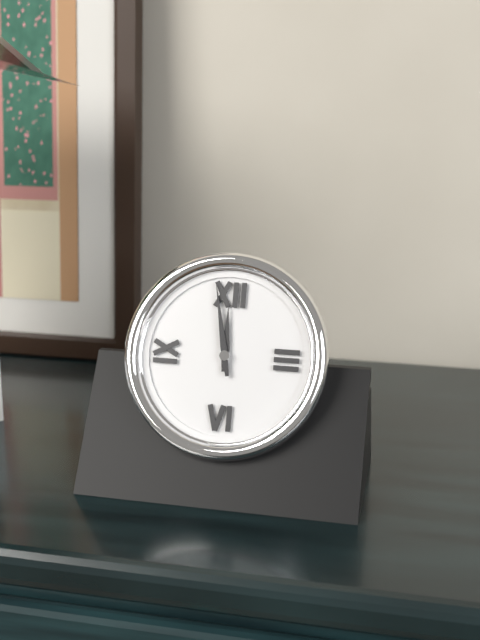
11.58
